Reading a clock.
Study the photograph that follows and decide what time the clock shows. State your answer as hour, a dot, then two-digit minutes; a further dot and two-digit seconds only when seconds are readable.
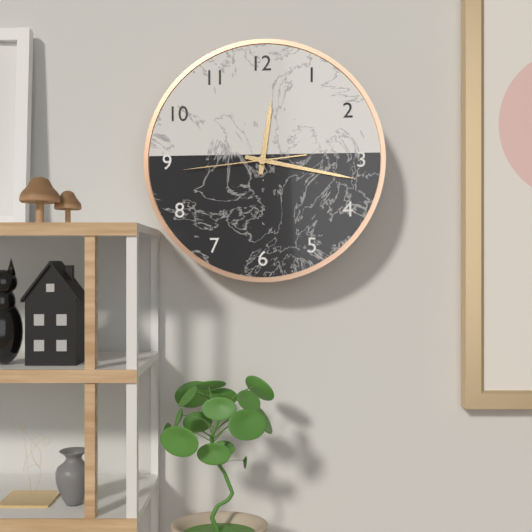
12.17.44
